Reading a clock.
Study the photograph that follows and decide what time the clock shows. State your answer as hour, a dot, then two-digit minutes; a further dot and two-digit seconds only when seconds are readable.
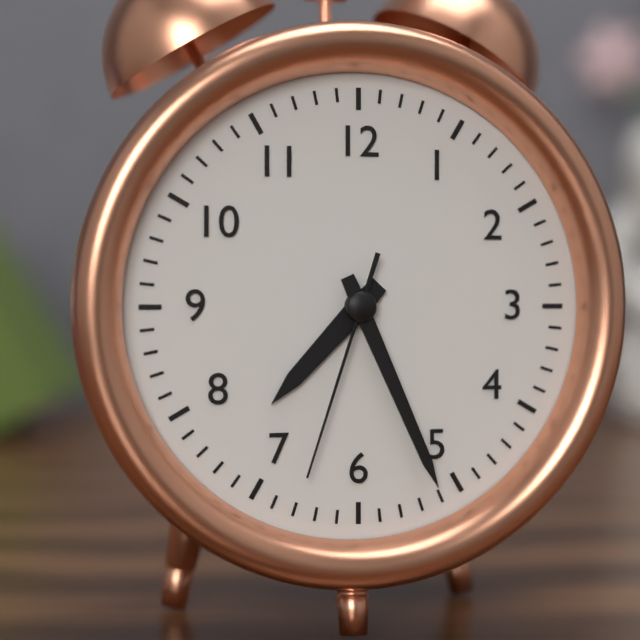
7.26.33
